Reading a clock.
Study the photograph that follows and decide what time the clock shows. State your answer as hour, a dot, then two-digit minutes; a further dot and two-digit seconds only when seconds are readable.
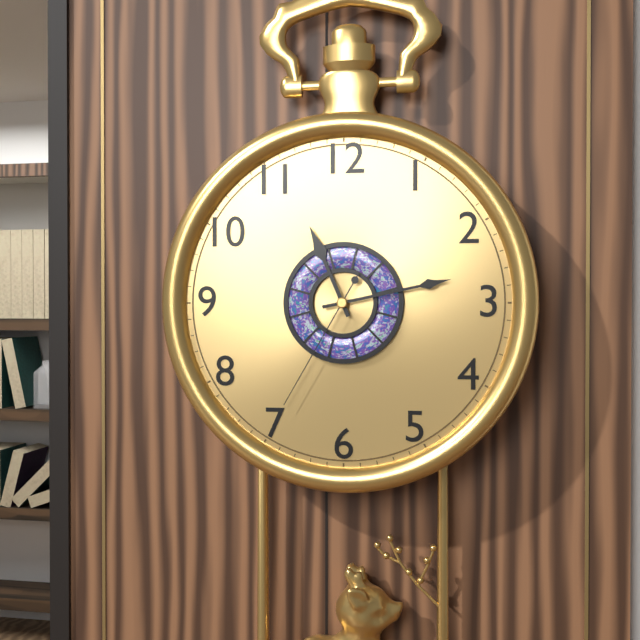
11.13.35
